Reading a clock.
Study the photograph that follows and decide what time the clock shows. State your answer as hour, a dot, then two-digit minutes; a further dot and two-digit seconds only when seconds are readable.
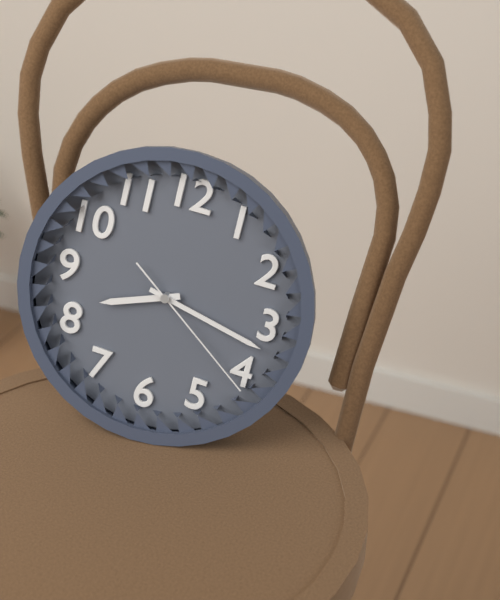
8.17.21
